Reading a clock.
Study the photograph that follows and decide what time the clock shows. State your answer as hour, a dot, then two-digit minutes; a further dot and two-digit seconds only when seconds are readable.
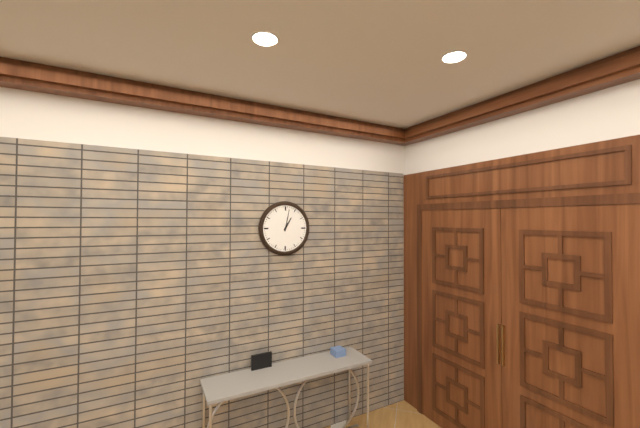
1.02
